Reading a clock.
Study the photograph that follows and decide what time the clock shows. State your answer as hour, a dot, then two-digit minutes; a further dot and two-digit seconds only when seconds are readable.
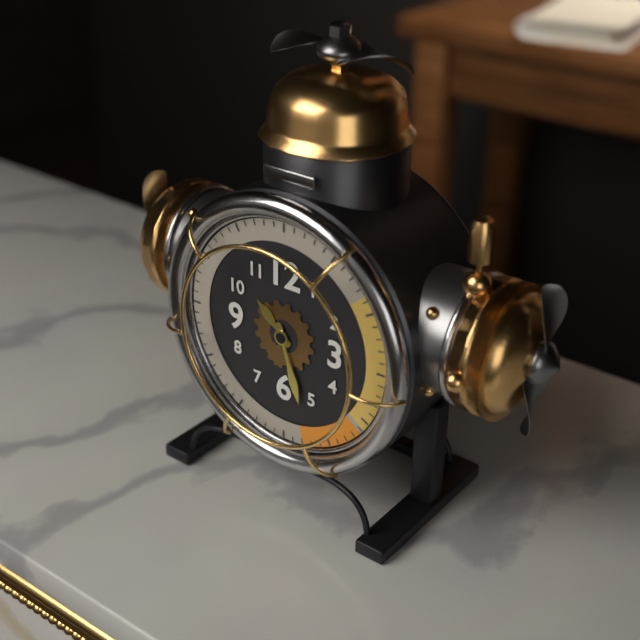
10.27
